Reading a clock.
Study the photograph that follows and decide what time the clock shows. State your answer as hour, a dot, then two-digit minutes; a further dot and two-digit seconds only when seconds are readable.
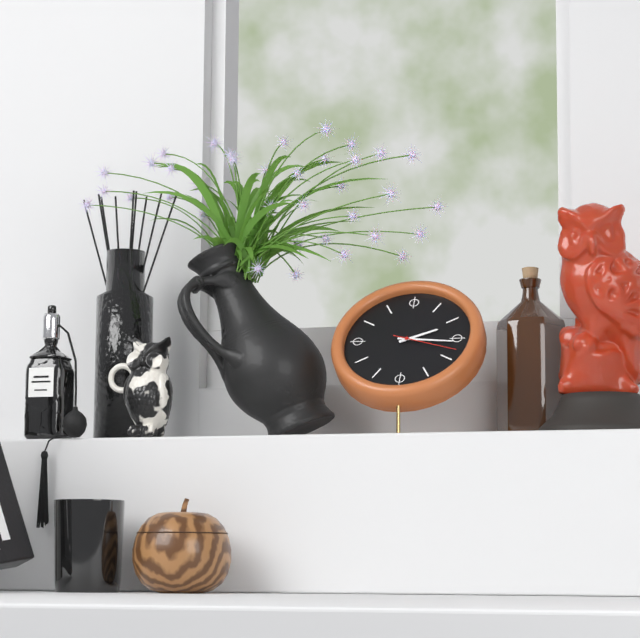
2.16.18
